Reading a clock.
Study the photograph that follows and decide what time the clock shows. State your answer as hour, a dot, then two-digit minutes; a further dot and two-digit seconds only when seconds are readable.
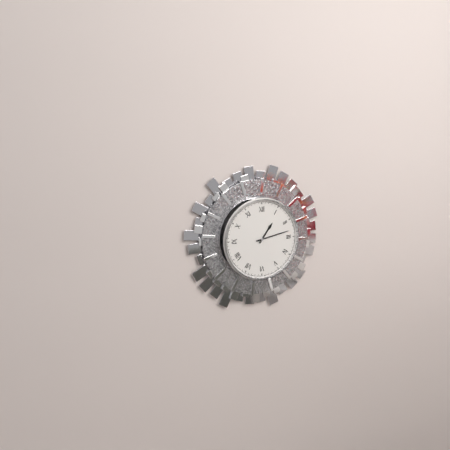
1.13
